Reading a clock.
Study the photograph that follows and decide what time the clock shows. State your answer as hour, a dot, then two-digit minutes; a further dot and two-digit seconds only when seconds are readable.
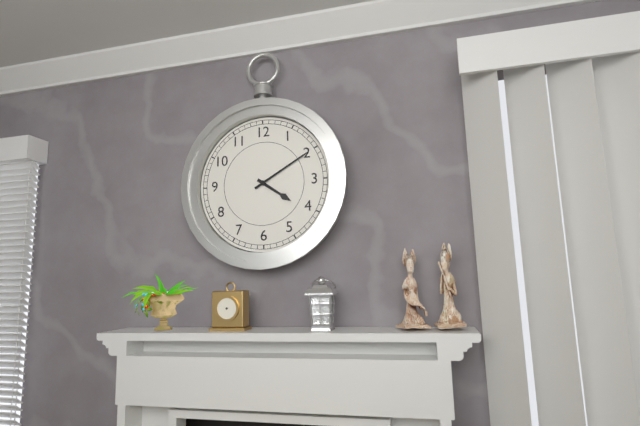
4.10
